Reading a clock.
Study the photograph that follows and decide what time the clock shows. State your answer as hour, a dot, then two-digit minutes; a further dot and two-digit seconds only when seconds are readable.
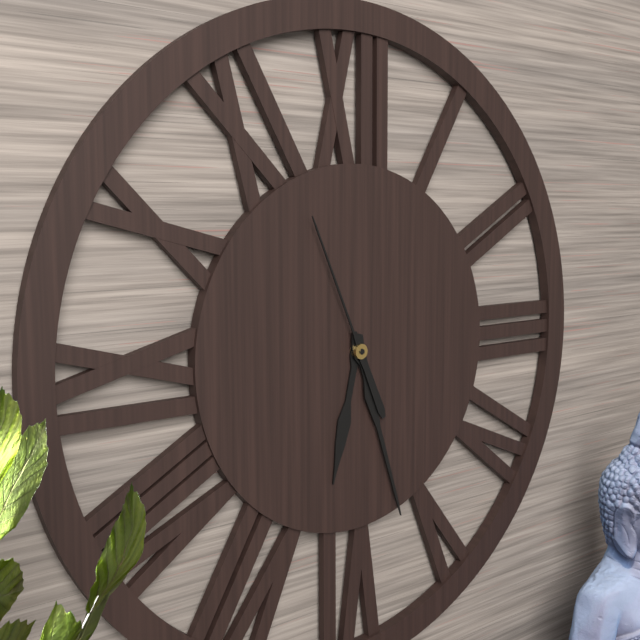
6.27.56
